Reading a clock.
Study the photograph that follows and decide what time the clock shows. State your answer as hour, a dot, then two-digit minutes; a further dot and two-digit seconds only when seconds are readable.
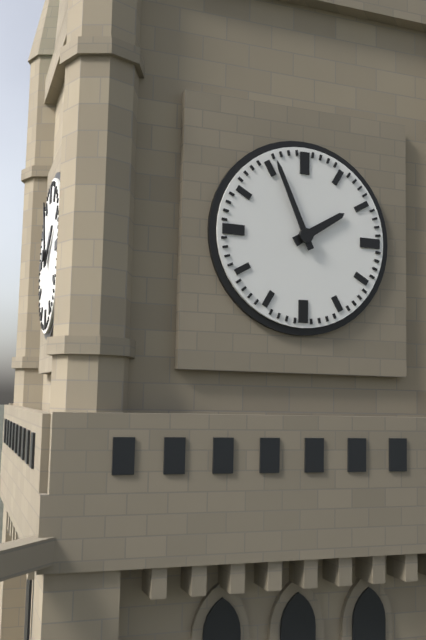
1.56
